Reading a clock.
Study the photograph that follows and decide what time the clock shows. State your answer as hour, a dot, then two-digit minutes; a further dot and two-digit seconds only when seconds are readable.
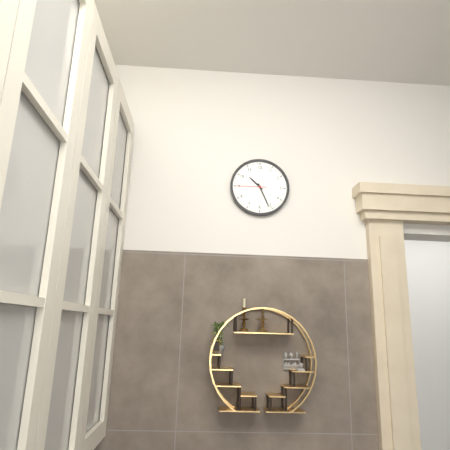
10.26
